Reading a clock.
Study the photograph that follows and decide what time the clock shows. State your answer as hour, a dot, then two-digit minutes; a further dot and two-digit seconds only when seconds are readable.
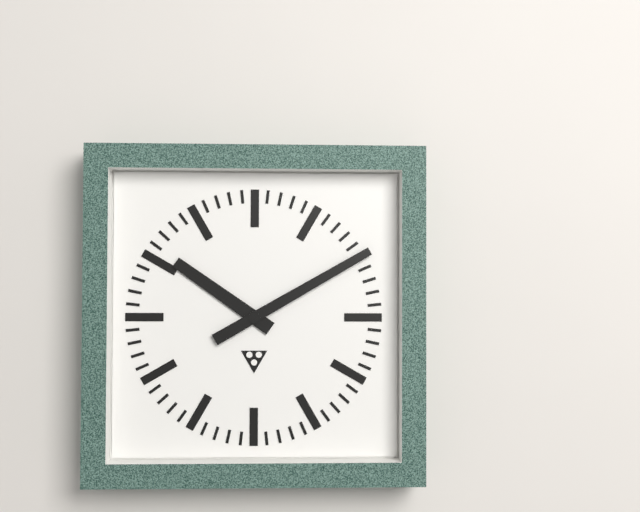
10.10
